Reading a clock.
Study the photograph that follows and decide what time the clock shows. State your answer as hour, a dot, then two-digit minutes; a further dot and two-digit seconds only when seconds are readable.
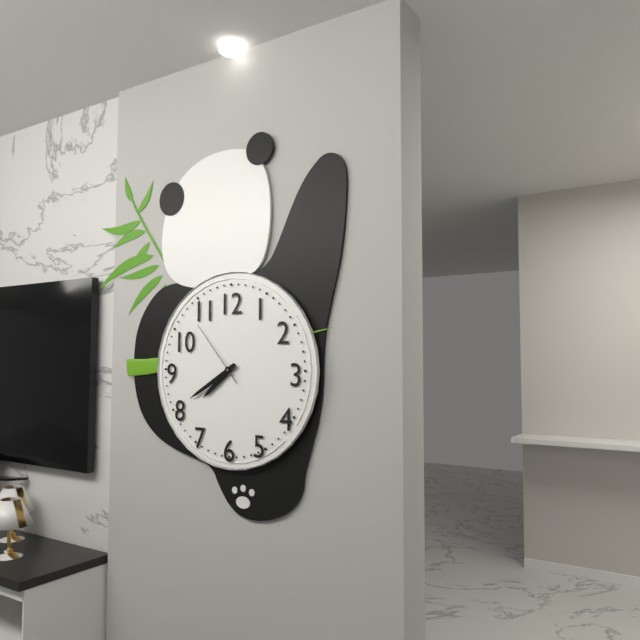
7.40.53
